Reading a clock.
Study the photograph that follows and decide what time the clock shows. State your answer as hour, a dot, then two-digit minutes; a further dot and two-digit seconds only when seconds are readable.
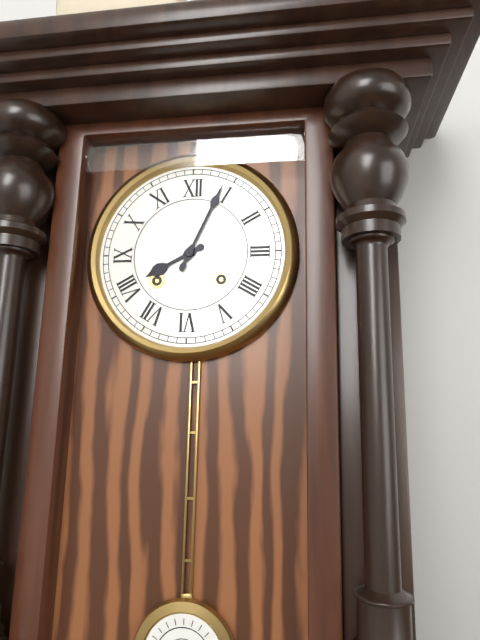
8.04
